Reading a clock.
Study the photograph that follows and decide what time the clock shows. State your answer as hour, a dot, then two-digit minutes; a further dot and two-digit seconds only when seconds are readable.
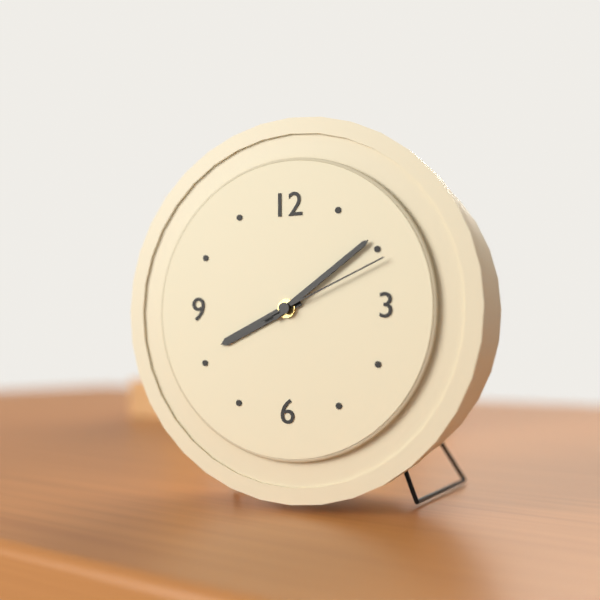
8.09.11
